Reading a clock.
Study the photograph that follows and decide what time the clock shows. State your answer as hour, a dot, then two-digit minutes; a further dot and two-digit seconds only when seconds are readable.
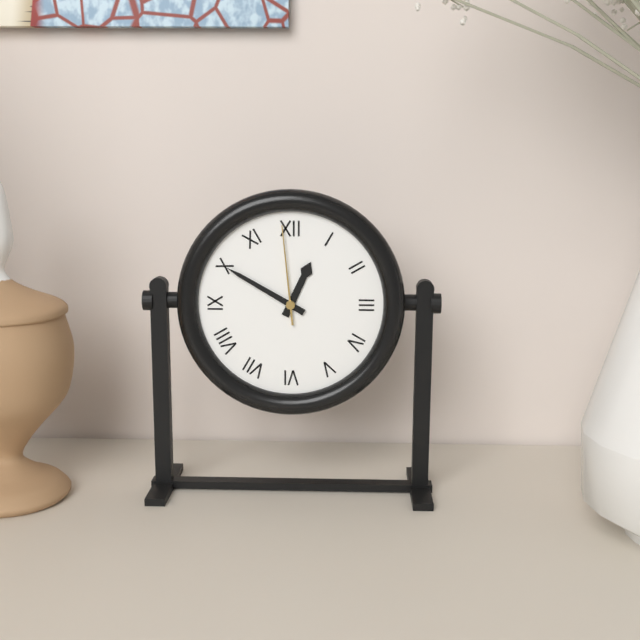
12.50.59
